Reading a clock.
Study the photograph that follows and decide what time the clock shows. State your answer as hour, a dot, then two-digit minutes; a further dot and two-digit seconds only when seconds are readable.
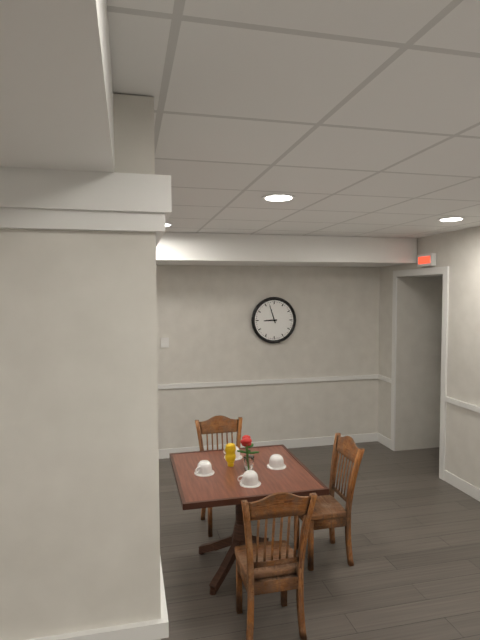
8.57
